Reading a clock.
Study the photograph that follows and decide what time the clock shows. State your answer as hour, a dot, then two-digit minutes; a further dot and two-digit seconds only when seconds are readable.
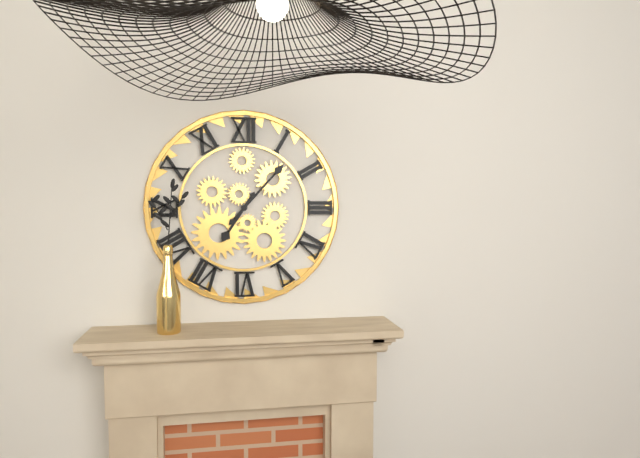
7.07
